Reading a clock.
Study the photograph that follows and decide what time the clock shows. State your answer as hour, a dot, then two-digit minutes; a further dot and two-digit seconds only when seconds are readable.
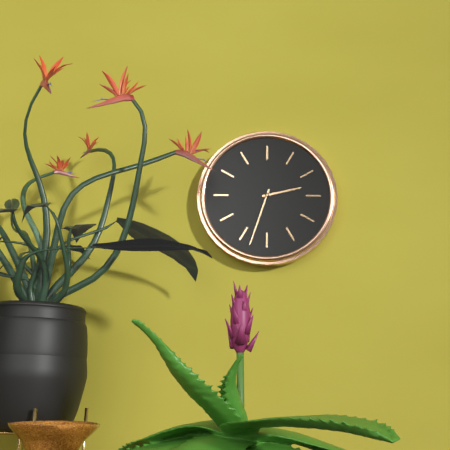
2.33
